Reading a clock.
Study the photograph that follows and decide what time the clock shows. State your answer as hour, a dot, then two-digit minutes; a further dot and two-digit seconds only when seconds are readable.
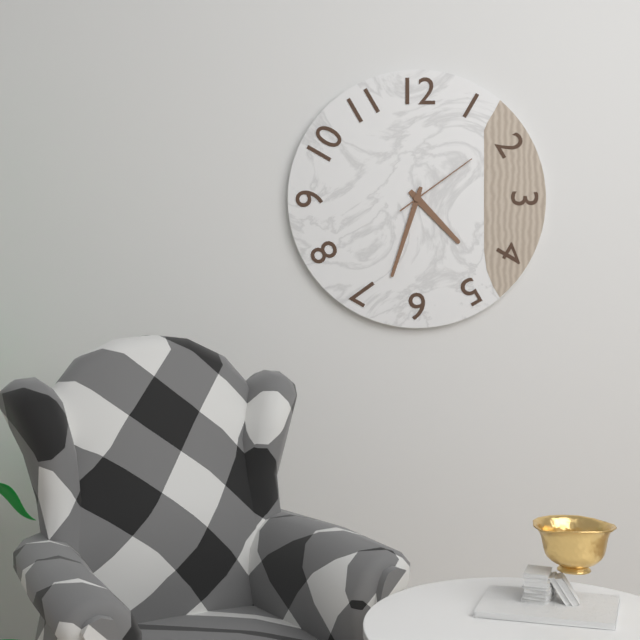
4.33.09
